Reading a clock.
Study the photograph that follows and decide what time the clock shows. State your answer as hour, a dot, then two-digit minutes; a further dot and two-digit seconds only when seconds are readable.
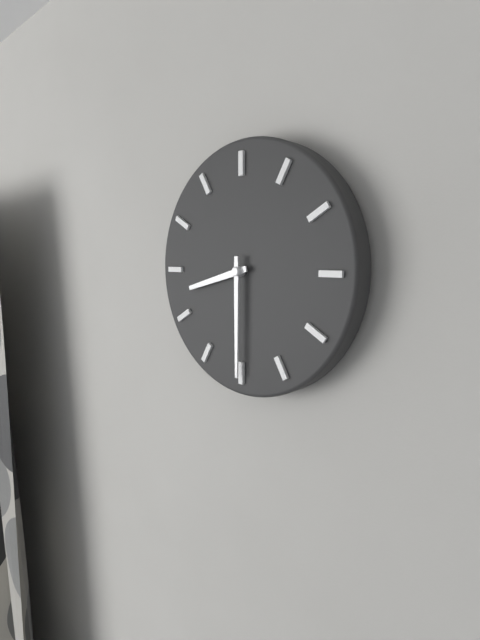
8.30
